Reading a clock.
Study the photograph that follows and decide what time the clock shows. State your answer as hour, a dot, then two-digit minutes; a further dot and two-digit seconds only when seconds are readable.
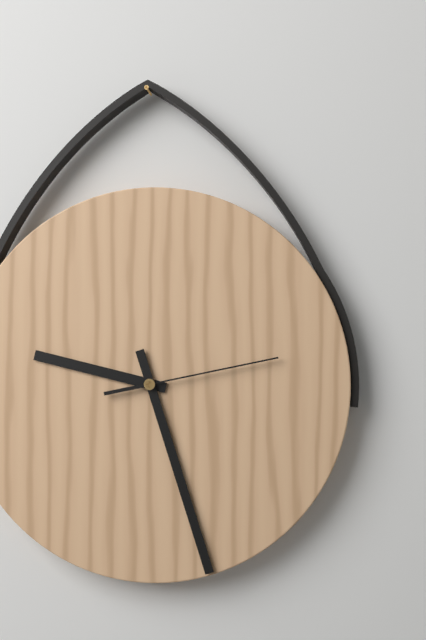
9.27.13
